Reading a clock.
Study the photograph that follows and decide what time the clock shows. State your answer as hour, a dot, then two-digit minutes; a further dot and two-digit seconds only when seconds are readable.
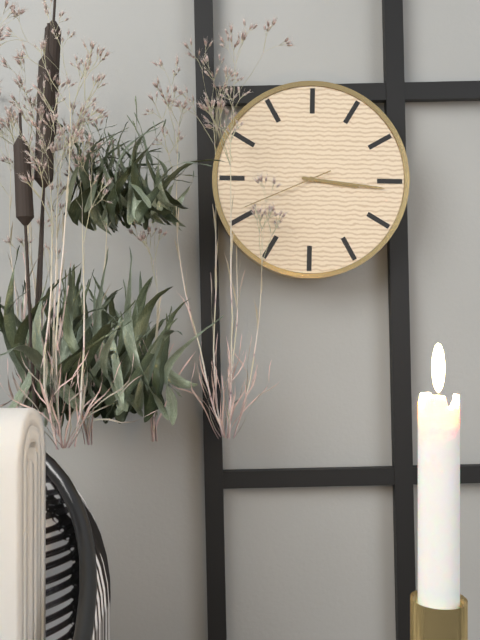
3.16.41
